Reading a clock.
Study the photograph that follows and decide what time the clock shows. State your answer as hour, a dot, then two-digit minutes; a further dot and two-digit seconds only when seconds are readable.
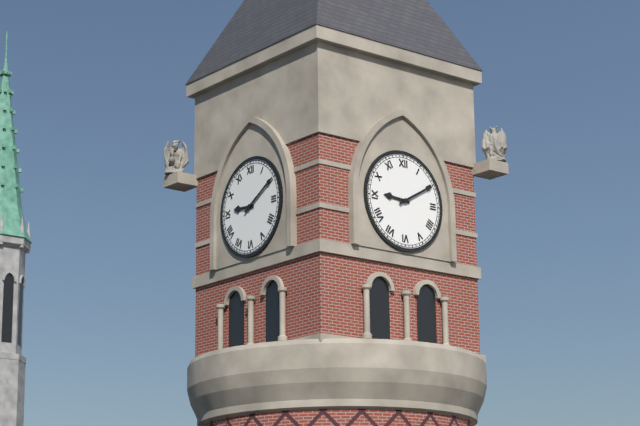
9.10
